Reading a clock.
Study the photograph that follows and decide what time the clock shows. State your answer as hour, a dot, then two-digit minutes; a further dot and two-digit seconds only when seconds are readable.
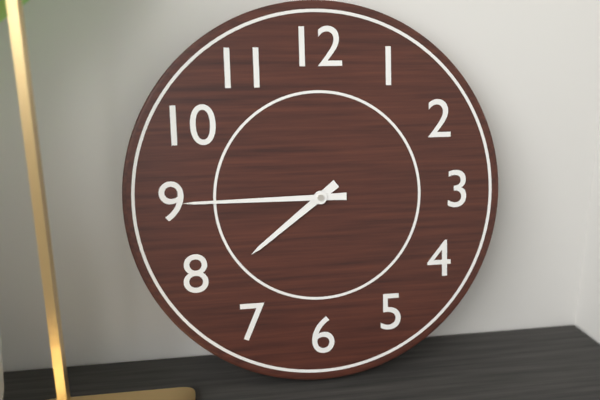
7.45
